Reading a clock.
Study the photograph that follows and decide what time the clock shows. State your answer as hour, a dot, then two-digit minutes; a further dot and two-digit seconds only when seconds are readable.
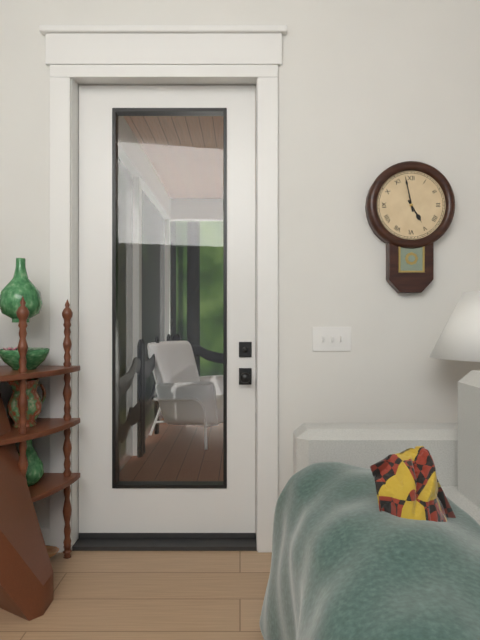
4.58
